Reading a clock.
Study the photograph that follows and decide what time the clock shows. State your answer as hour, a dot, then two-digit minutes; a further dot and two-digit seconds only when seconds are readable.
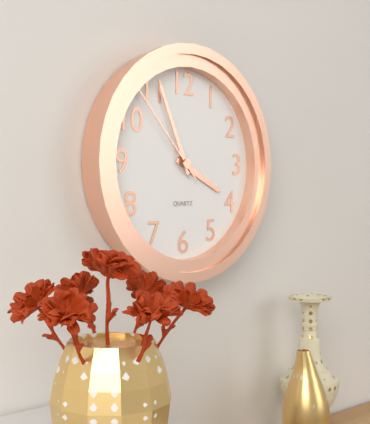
3.56.53
